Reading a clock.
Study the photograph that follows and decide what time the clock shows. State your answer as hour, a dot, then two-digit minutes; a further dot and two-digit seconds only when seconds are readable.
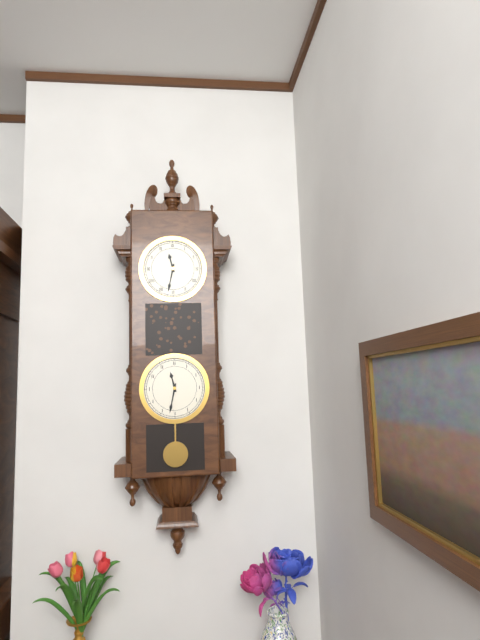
11.32
